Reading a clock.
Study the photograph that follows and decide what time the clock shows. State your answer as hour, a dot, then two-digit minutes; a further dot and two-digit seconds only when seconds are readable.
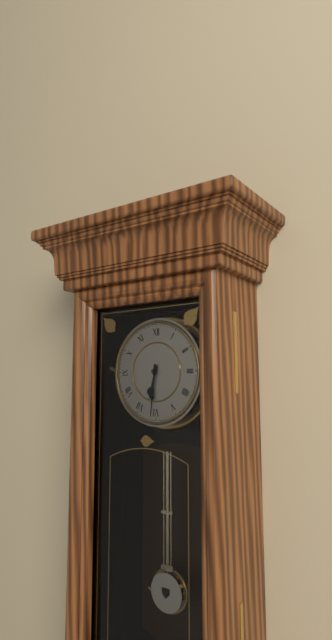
6.31
